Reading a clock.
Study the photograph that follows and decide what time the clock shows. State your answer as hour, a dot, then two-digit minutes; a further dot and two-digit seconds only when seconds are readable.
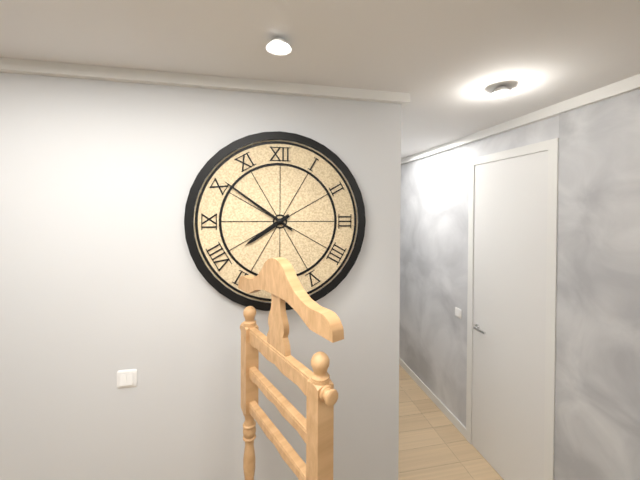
7.51
